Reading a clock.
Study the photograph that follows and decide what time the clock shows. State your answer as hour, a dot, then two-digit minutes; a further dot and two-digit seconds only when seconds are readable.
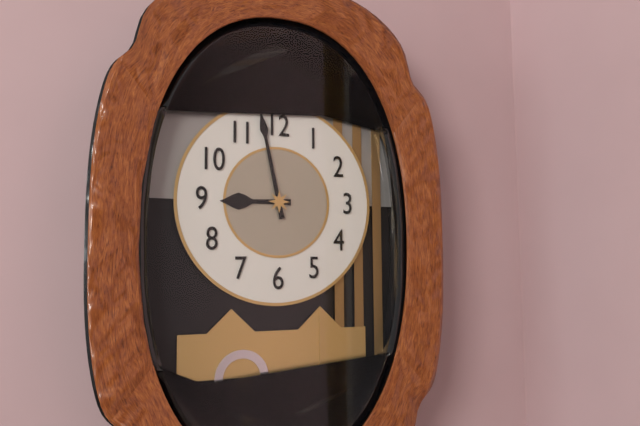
8.58
